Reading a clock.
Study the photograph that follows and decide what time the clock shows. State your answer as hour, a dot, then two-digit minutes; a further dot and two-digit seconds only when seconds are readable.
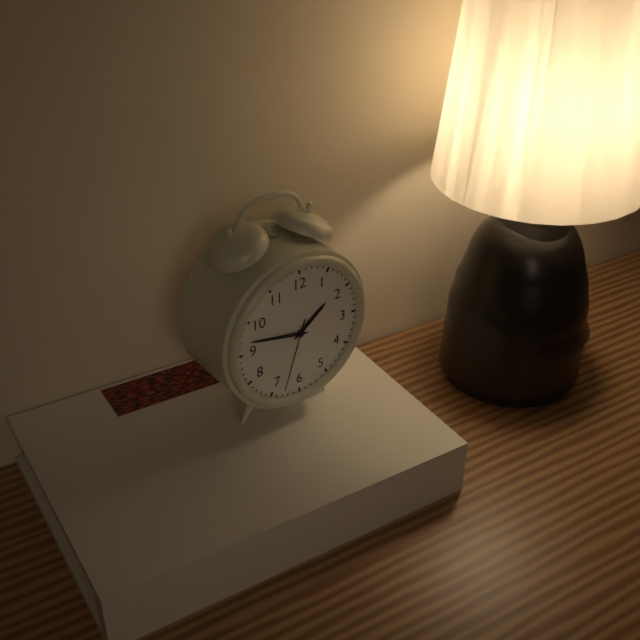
1.47.33
